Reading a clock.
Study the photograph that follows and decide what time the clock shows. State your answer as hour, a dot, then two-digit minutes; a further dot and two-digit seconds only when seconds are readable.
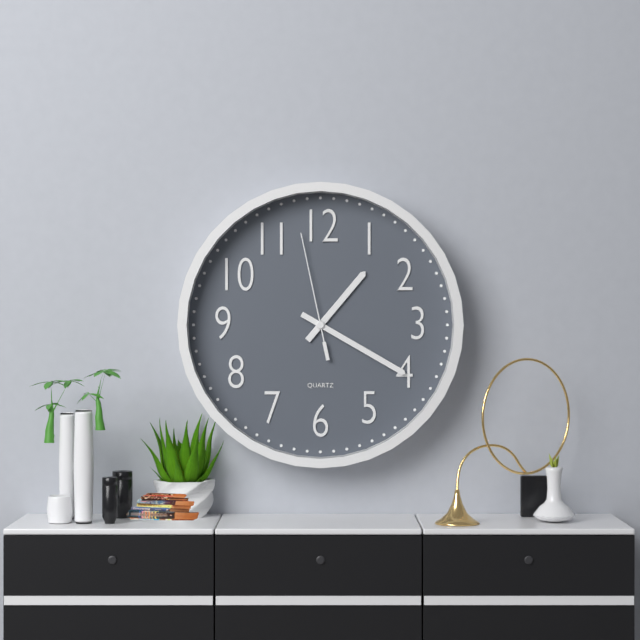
1.20.58
